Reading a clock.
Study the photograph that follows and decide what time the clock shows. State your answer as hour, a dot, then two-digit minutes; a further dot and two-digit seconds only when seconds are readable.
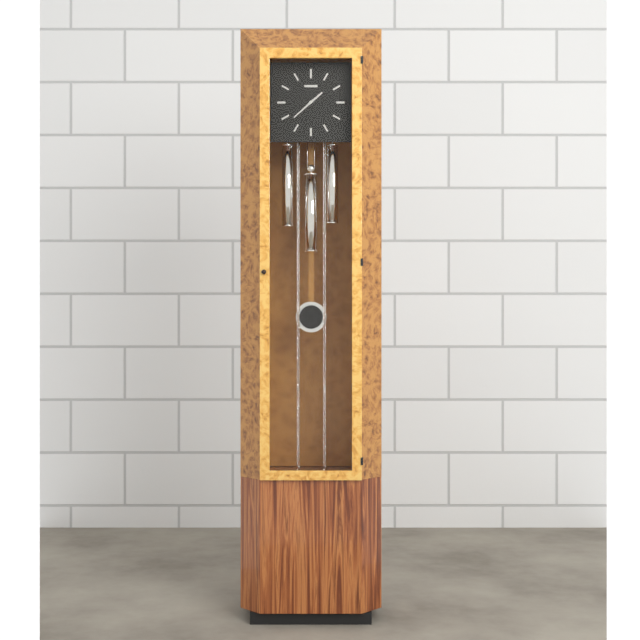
1.38
